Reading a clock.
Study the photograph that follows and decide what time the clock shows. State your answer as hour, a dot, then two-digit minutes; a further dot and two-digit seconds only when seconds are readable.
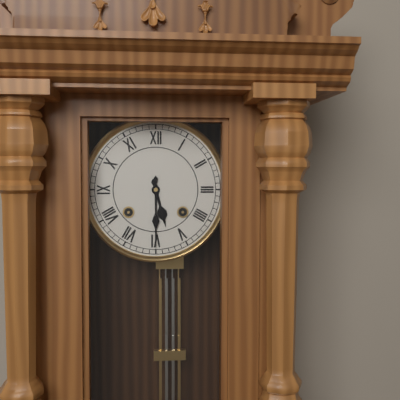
5.30
